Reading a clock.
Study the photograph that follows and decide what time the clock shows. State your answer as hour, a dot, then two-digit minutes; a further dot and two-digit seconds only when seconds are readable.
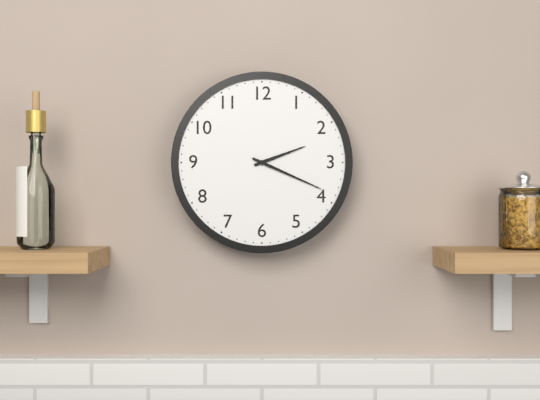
2.19
